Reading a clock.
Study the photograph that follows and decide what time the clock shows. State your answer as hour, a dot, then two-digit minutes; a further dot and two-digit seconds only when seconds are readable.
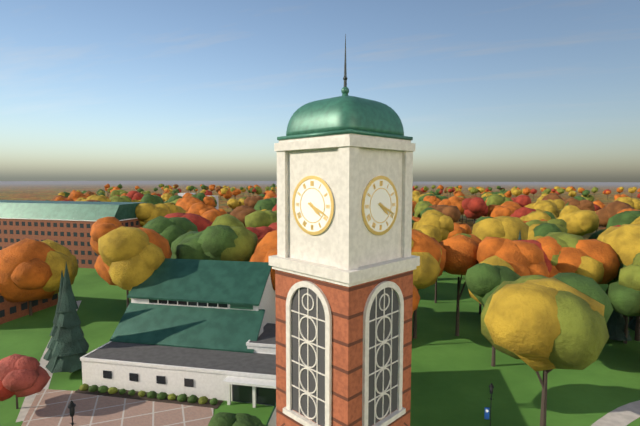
4.19
